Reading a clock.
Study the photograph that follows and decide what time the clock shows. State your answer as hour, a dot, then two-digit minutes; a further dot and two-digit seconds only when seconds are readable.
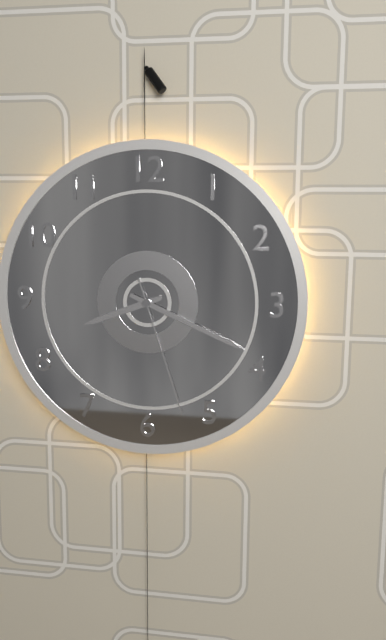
8.19.27
